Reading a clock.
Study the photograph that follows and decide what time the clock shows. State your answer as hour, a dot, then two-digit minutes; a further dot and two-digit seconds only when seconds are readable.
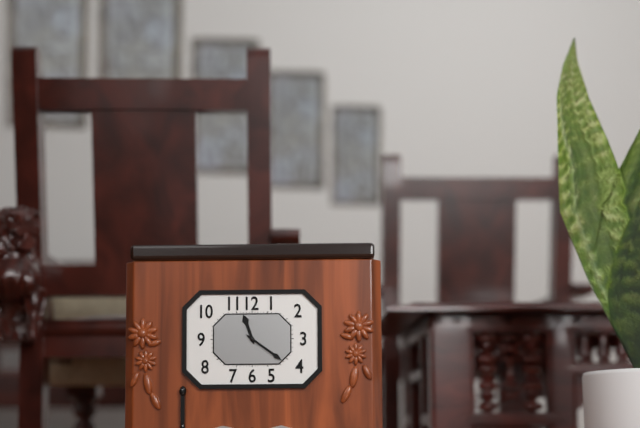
11.21
